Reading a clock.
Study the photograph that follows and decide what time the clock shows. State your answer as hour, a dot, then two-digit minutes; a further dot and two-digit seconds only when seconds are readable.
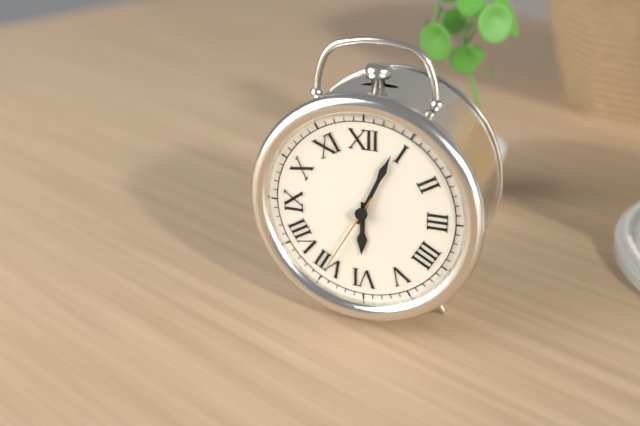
6.04.35
